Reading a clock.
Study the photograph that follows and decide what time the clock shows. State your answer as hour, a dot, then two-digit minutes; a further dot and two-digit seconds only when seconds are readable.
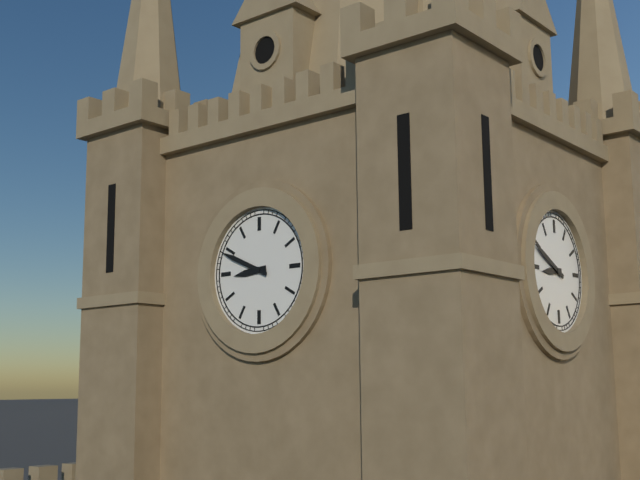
8.49
